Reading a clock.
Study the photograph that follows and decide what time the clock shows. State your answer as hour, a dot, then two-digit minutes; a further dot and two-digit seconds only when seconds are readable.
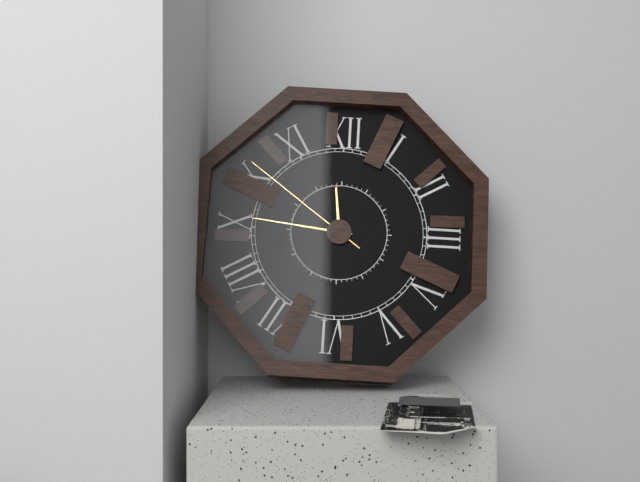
11.46.51
